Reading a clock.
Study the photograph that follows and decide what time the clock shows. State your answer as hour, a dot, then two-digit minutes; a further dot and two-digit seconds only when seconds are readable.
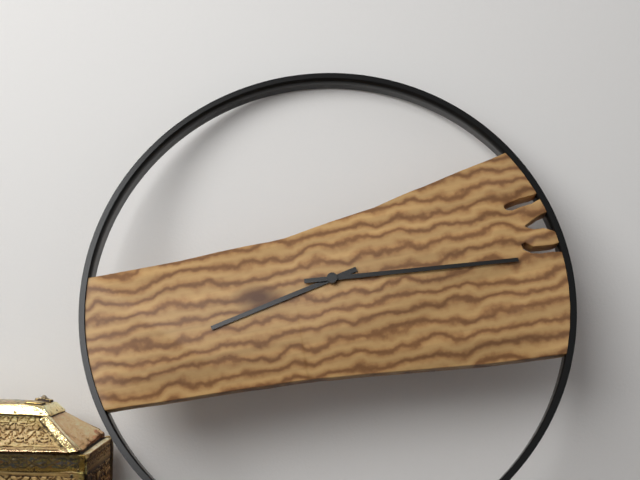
8.14
